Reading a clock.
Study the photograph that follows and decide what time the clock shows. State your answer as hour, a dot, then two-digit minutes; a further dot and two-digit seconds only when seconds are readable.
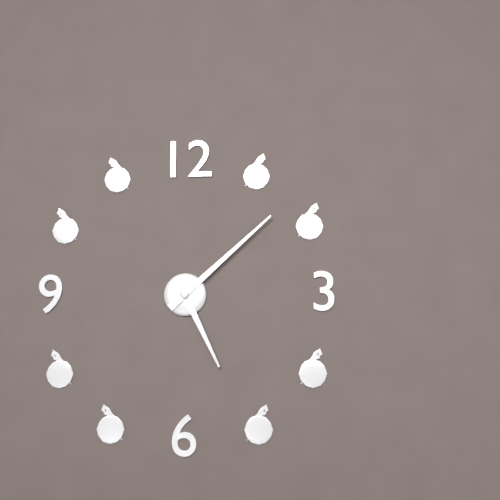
5.08
